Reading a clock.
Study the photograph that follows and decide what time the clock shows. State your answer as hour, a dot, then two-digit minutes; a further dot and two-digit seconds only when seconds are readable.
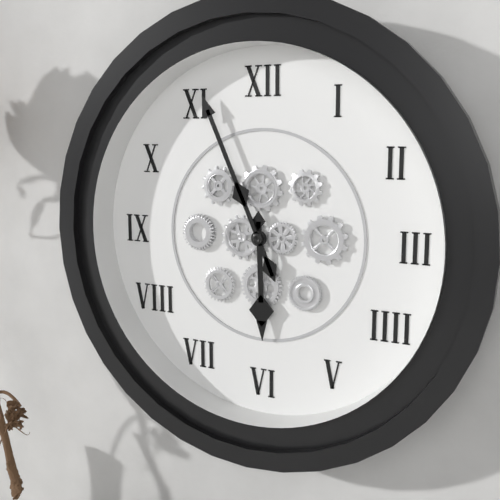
5.56
